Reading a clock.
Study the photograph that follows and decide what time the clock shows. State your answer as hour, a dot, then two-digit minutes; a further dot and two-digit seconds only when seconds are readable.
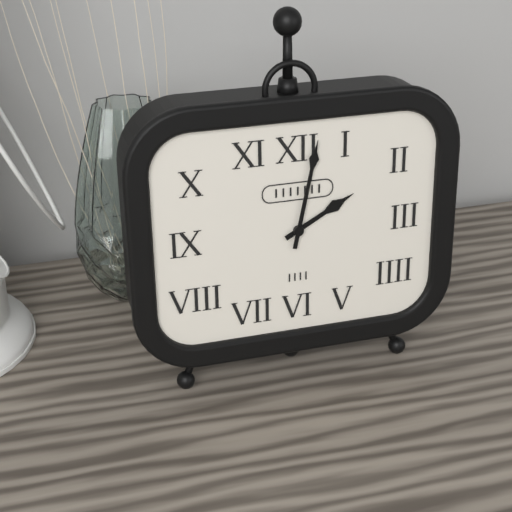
2.02
